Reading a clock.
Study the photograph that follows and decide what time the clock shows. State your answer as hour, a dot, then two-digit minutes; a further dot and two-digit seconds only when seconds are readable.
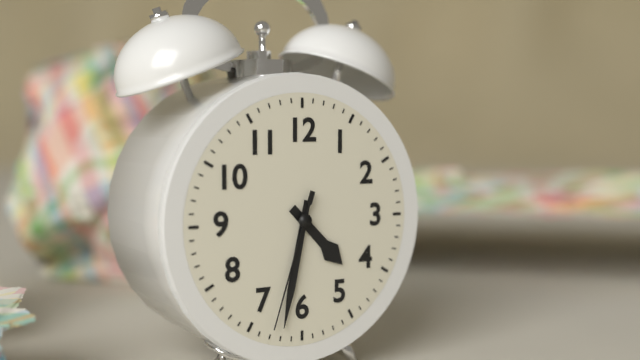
4.32.33
